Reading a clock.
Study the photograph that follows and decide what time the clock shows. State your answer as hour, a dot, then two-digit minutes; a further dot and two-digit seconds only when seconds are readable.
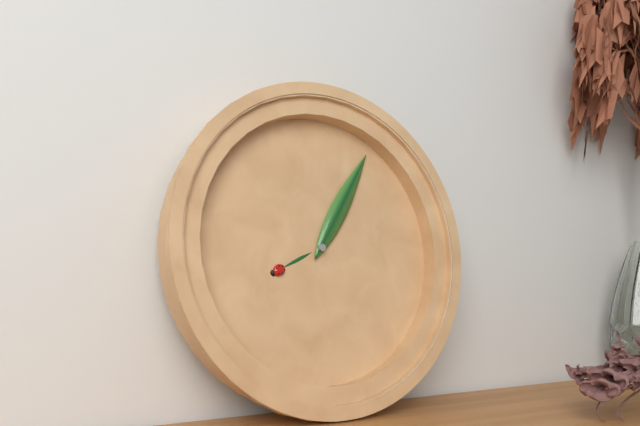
8.05
